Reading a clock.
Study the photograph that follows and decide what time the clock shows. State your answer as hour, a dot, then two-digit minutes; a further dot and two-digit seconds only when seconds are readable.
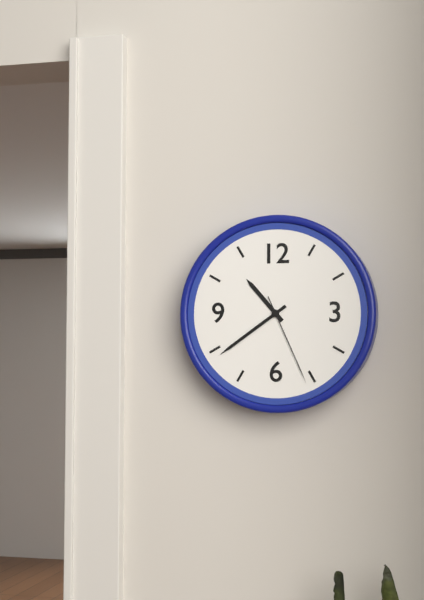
10.39.26
